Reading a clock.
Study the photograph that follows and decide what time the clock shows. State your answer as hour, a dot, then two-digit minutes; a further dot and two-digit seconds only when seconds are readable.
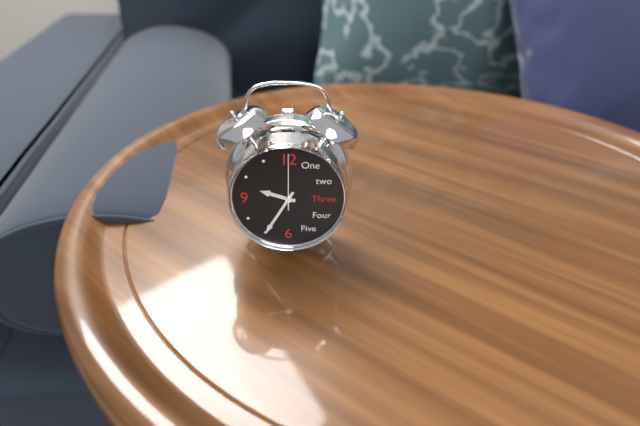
9.35.00
